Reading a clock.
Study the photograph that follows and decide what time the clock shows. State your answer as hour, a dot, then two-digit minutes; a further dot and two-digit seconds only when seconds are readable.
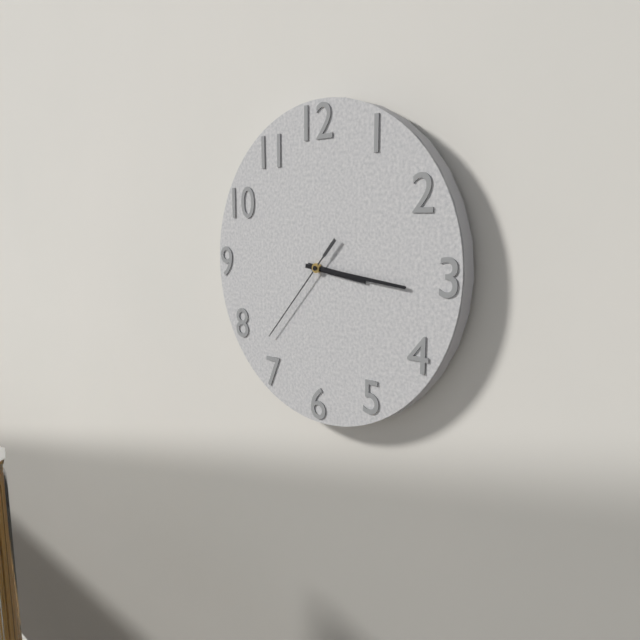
3.16.37
